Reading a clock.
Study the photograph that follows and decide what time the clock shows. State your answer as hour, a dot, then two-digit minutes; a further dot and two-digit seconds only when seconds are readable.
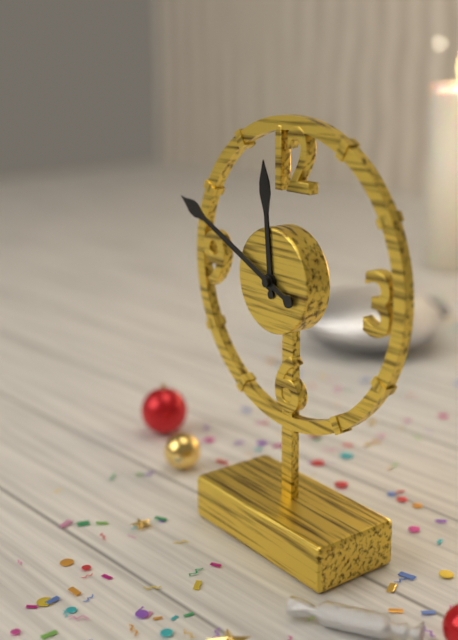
11.49
